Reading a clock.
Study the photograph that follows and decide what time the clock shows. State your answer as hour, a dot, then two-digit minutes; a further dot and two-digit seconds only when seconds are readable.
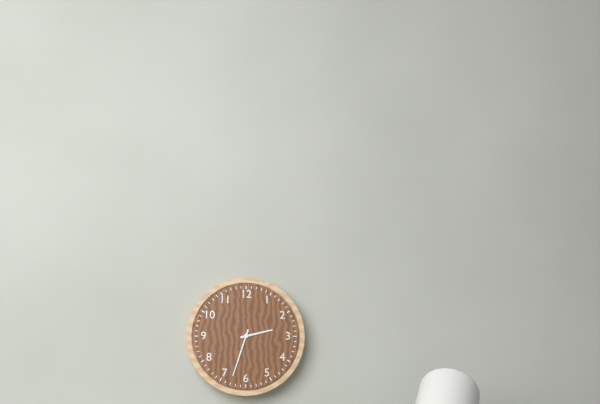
2.33
